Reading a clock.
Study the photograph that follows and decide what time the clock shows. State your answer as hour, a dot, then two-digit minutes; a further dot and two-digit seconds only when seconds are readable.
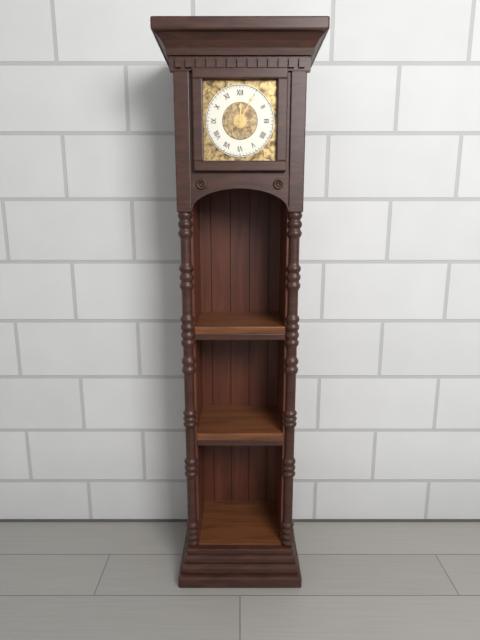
12.05
